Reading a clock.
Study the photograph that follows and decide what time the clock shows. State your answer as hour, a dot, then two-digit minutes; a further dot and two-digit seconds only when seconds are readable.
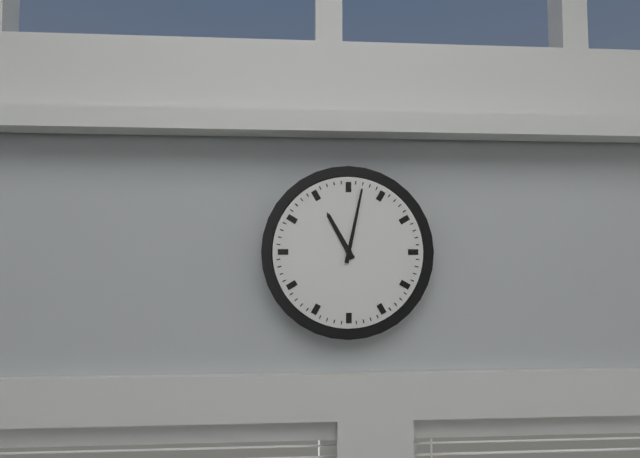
11.02
